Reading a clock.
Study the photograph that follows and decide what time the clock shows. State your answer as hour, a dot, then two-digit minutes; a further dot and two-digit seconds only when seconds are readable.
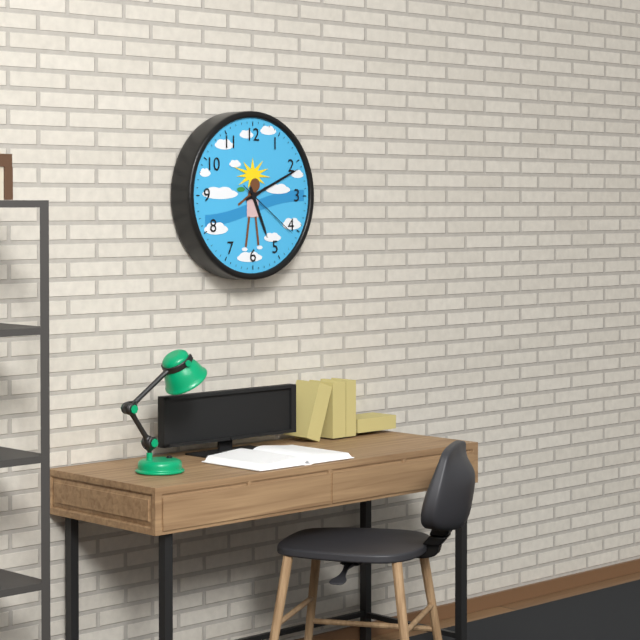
5.11.21
